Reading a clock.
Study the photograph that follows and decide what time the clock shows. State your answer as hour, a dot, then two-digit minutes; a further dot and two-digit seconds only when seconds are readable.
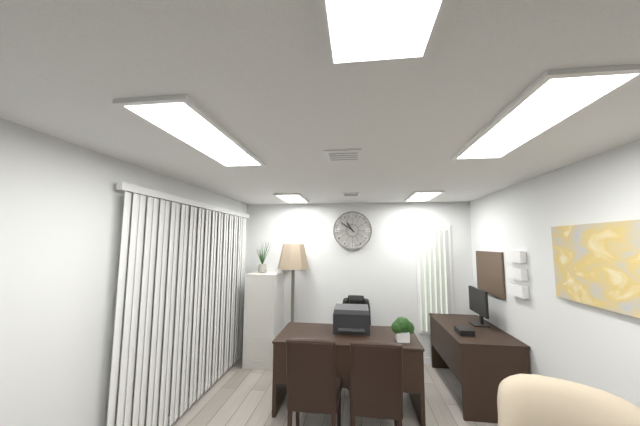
10.51
